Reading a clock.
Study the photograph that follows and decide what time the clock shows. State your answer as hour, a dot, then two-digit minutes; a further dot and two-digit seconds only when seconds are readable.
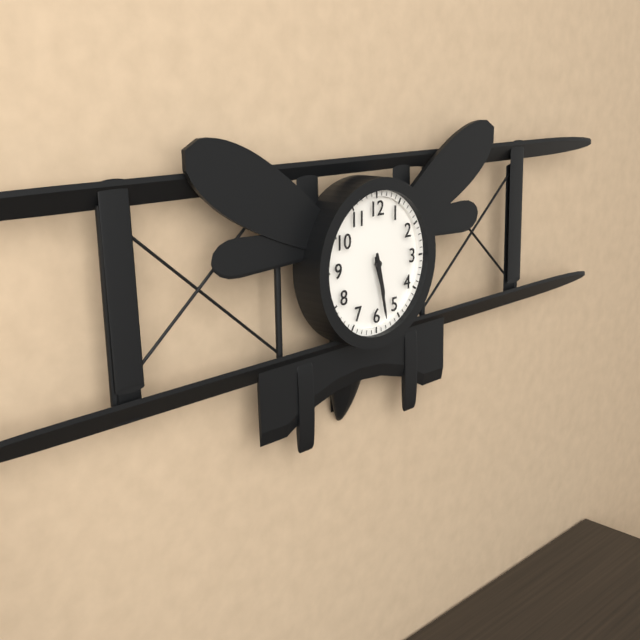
5.28
